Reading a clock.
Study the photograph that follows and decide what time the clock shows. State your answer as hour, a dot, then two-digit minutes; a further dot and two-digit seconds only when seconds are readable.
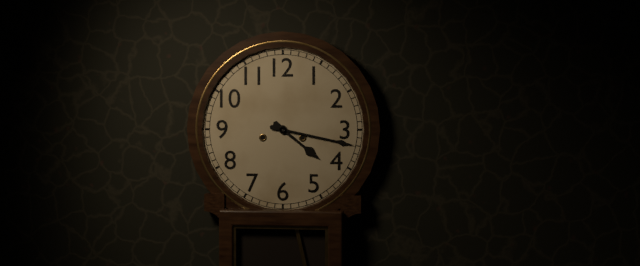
4.17
